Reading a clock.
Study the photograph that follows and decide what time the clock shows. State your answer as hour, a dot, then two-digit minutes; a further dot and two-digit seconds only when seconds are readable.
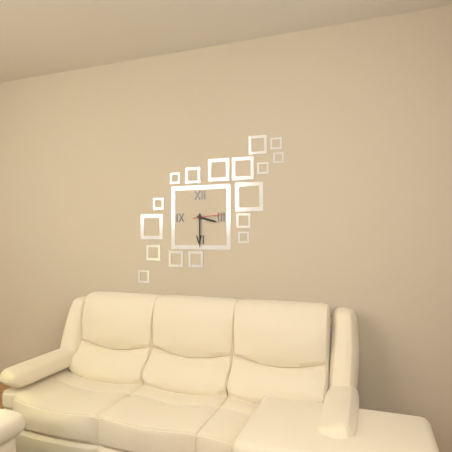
3.30
